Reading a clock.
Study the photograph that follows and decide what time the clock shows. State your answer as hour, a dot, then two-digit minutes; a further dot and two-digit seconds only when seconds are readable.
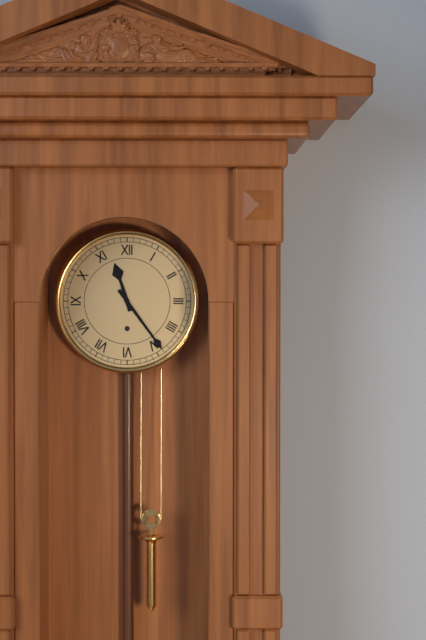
11.24
